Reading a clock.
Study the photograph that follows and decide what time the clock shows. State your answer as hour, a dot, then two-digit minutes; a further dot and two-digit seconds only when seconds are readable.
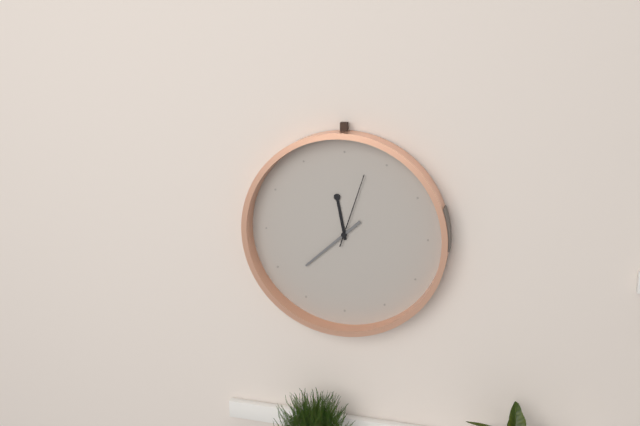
11.38.03
